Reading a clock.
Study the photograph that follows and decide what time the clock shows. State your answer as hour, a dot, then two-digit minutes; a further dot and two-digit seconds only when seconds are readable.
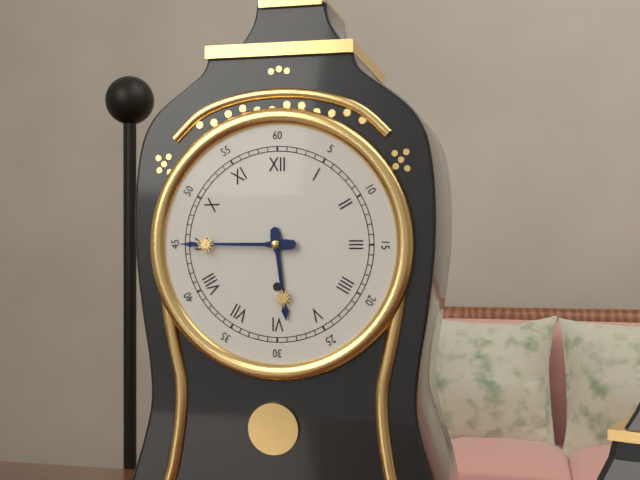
5.45
